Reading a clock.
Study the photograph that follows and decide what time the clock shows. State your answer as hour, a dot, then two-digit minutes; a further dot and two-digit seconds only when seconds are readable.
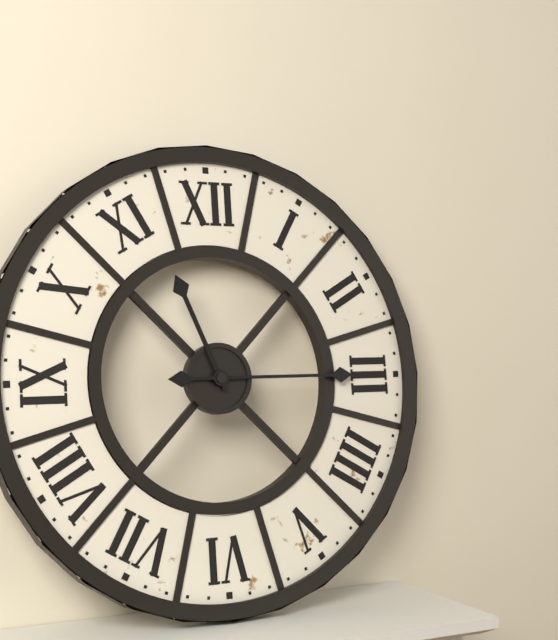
11.15
